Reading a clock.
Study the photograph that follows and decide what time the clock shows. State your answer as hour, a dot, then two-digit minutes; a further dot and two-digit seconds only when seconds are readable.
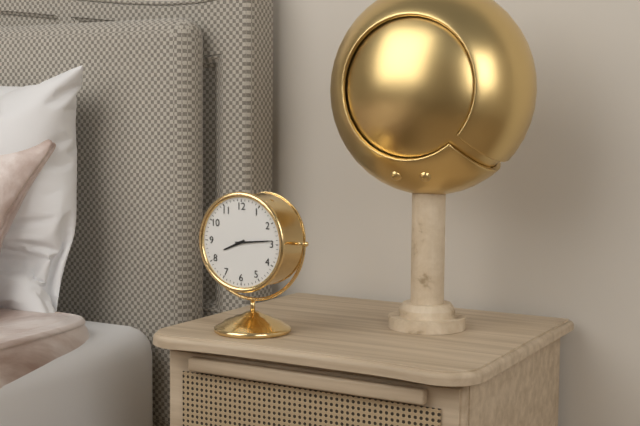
8.14
